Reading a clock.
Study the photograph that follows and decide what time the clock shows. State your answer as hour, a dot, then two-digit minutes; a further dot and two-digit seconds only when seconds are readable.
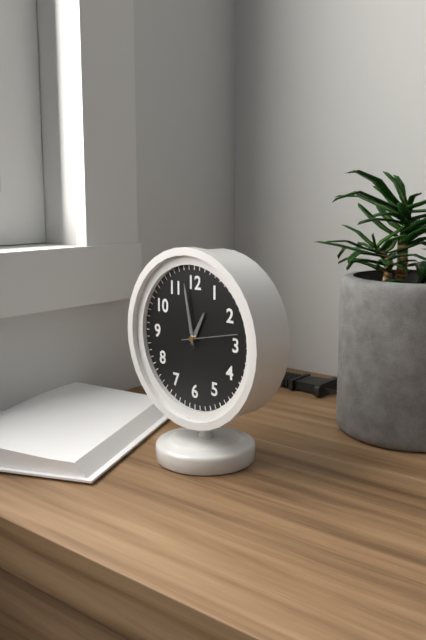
12.58.13
